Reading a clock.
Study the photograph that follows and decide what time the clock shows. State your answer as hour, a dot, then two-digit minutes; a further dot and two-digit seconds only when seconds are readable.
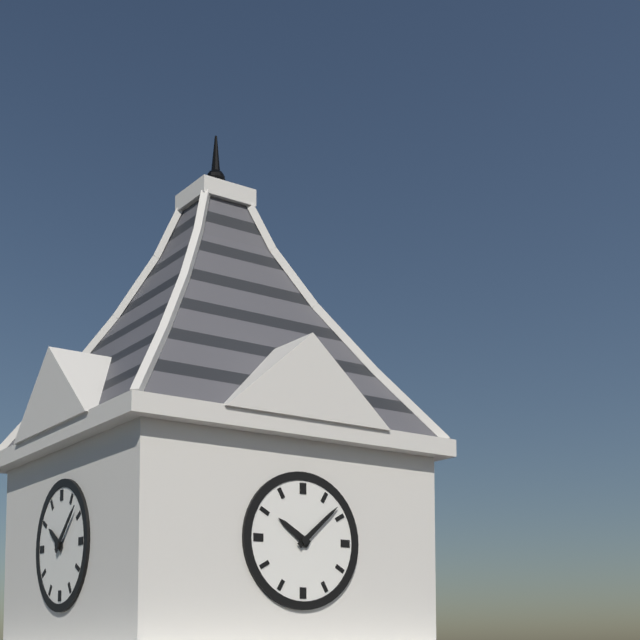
10.08
